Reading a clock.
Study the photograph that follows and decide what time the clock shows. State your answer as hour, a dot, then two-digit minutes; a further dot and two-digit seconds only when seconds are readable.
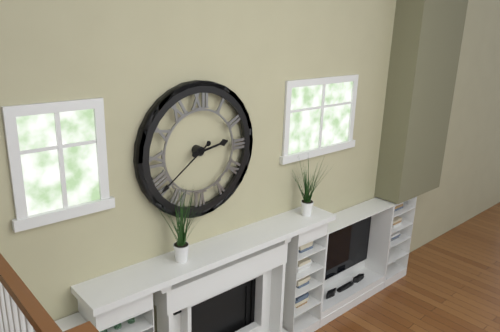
2.39
